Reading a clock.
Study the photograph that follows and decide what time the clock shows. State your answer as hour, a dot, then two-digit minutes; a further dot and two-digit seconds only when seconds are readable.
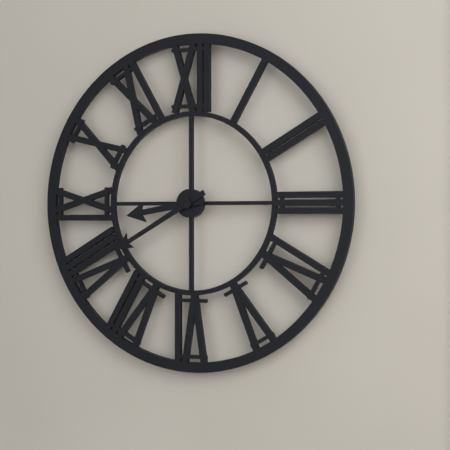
8.40
